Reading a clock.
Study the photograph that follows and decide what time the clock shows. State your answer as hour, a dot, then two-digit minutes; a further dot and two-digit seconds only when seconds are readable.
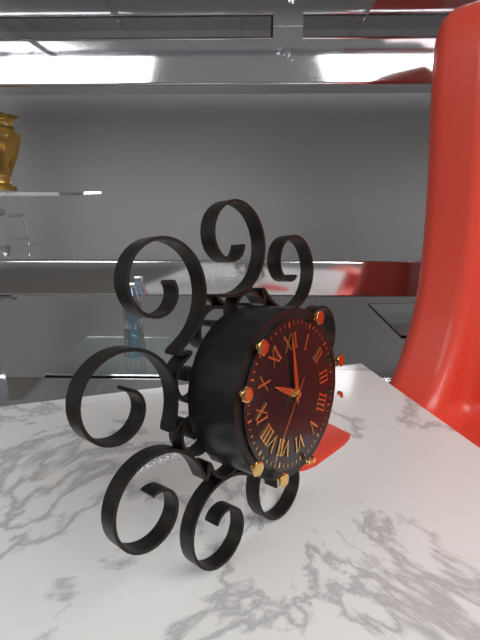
10.00.37
